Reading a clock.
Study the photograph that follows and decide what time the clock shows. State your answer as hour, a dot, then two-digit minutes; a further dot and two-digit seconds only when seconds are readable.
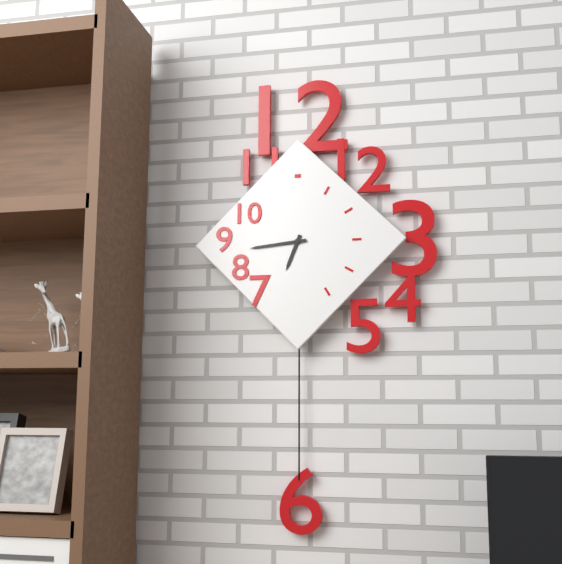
6.44
